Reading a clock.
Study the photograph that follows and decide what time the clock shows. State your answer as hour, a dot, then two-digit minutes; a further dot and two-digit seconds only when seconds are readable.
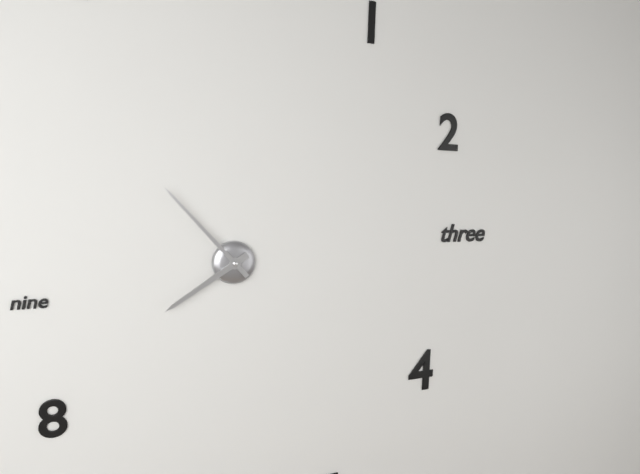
7.53
